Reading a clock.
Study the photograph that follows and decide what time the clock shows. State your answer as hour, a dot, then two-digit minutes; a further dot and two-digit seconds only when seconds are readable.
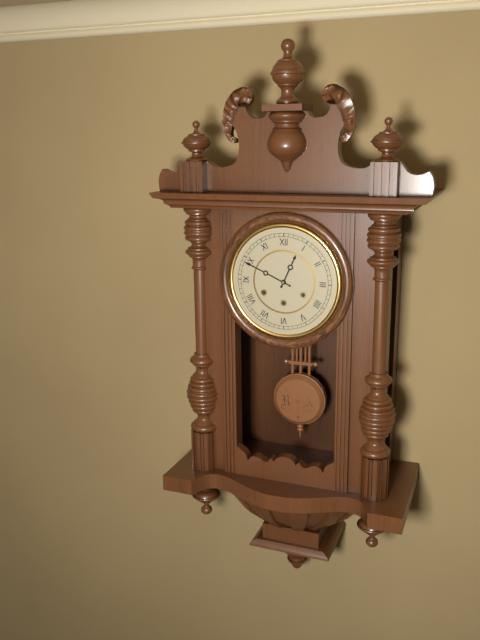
12.49
